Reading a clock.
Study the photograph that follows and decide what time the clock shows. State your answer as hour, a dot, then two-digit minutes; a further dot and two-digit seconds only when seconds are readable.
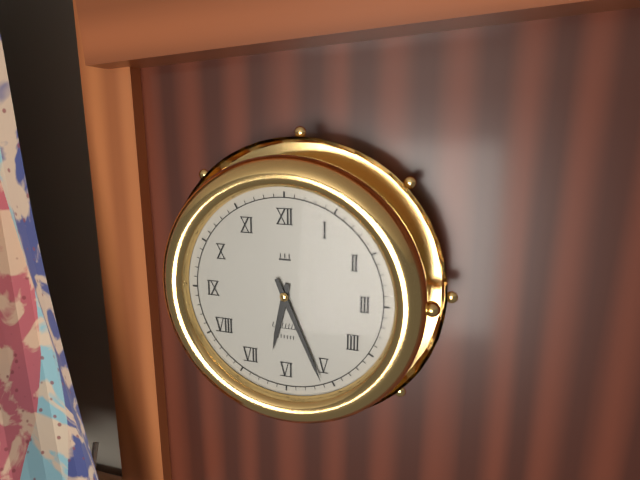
6.26
